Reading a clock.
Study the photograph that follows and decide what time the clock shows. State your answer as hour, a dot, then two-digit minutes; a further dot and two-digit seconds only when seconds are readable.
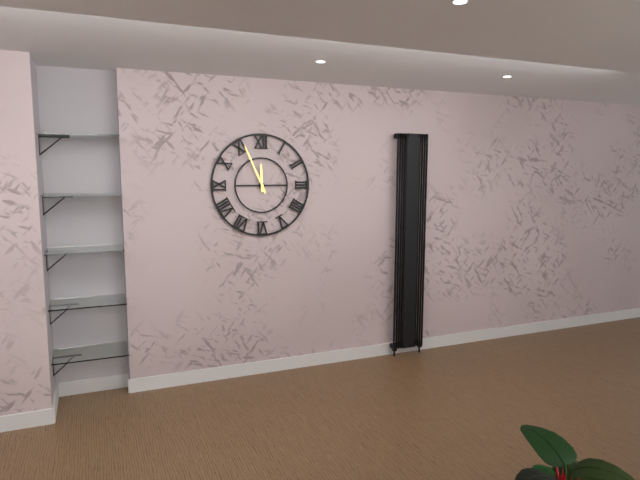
11.56
